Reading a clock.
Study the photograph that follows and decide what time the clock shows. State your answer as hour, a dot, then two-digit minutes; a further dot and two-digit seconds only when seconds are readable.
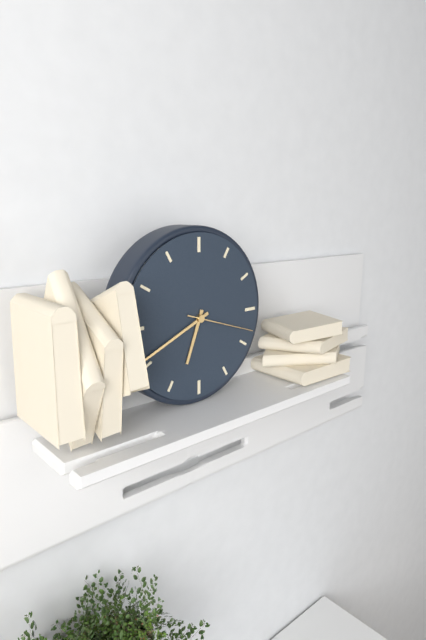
6.41.18
